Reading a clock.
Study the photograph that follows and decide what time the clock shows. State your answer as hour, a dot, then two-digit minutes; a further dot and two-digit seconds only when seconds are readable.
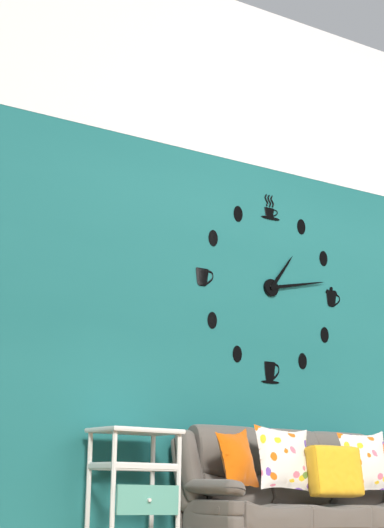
1.13
